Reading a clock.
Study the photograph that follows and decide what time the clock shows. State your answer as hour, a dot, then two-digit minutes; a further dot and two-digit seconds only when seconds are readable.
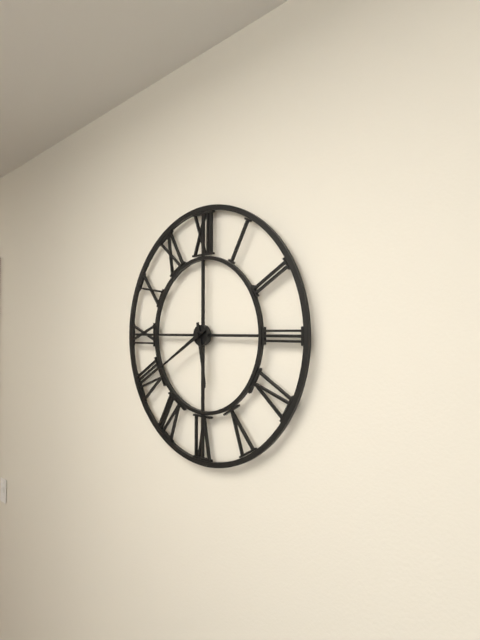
5.40
